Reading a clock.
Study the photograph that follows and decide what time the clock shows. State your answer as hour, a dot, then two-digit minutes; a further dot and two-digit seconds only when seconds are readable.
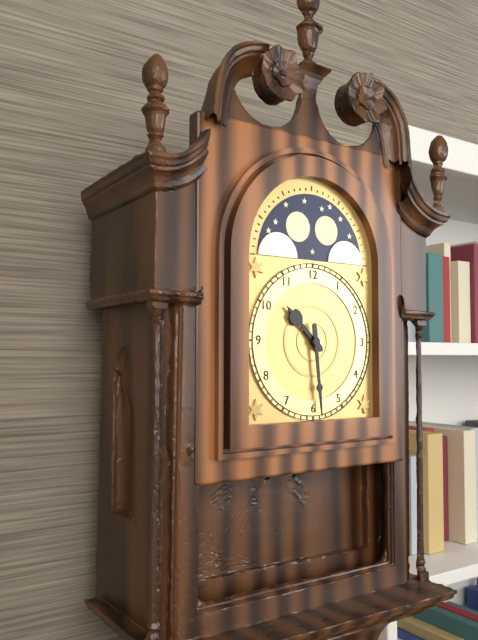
10.29
